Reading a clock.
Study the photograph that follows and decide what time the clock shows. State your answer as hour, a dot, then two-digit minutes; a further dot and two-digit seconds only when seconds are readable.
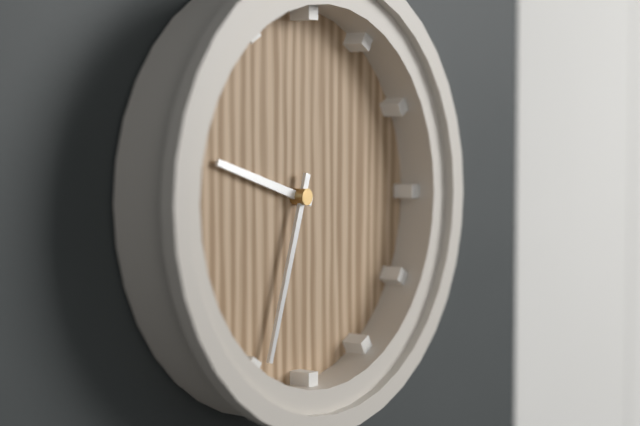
9.33
